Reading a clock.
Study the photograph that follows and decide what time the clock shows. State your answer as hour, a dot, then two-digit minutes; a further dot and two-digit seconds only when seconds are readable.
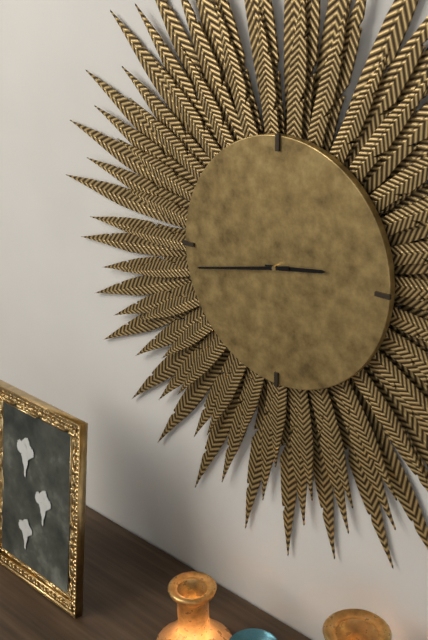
2.43
